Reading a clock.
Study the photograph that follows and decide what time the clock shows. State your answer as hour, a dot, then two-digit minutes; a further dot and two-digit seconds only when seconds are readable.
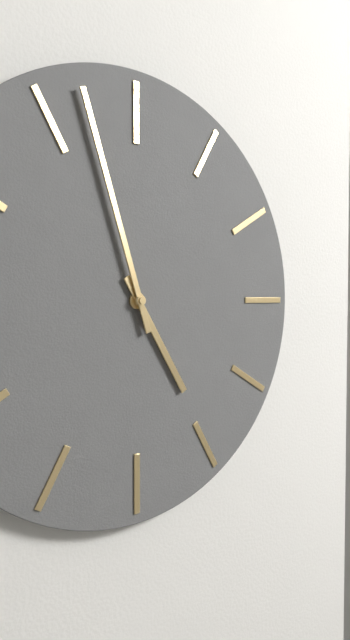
4.57
